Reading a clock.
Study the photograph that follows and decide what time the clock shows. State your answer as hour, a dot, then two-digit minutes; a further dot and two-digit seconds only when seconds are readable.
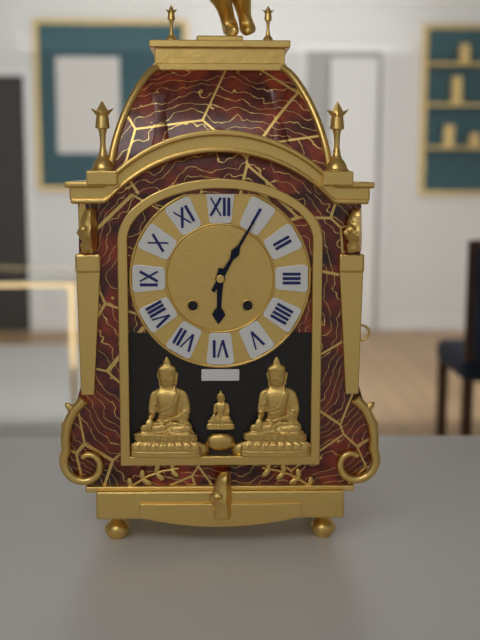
6.05
